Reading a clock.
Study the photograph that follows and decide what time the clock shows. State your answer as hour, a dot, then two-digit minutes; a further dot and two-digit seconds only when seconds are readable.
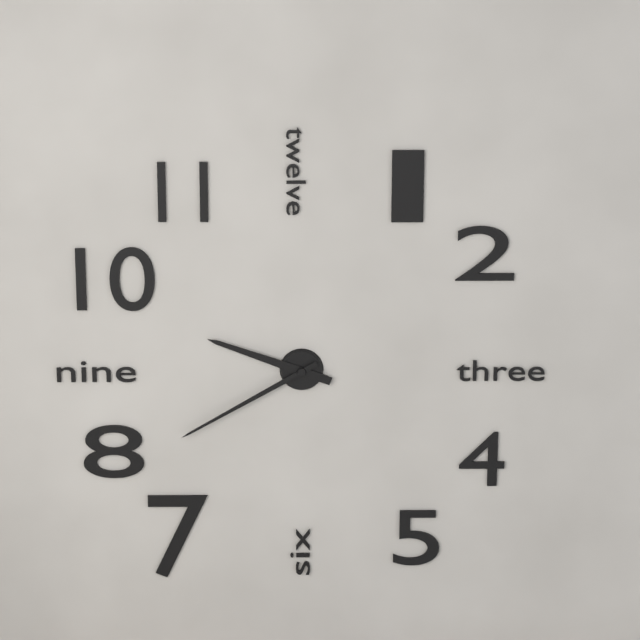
9.40
